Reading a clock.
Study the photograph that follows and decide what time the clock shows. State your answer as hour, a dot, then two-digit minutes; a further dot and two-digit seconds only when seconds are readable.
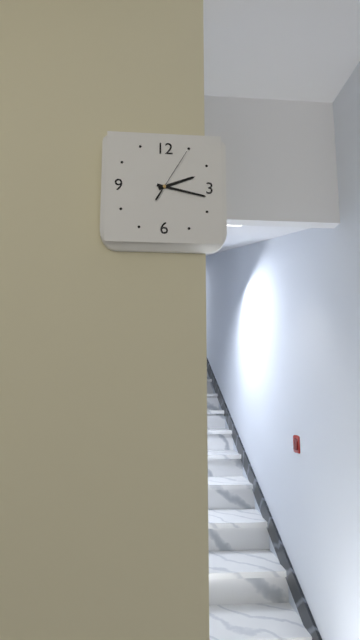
2.17.05
